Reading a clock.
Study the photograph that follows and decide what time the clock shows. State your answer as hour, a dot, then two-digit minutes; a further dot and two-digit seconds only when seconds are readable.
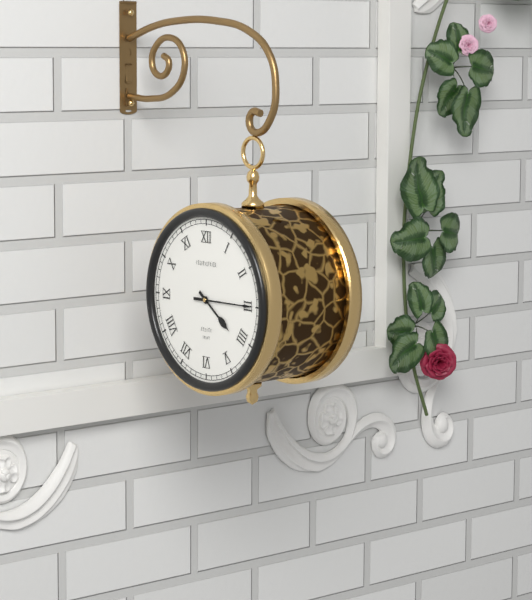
4.15
